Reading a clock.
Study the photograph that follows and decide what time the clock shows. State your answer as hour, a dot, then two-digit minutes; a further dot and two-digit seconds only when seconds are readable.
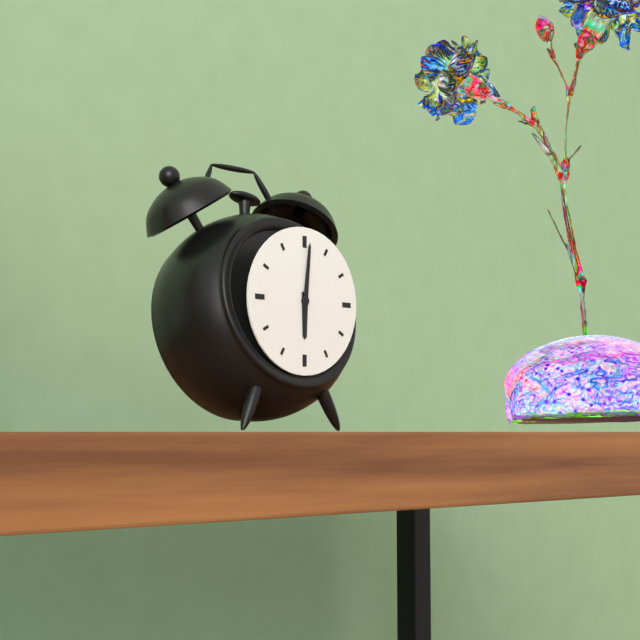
6.01
